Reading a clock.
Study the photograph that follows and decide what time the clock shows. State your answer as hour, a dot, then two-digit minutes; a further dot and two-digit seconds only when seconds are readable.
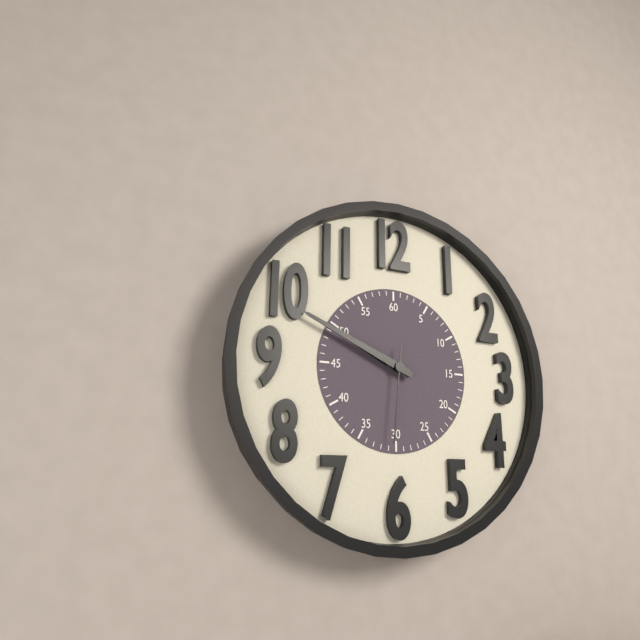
9.49.31
